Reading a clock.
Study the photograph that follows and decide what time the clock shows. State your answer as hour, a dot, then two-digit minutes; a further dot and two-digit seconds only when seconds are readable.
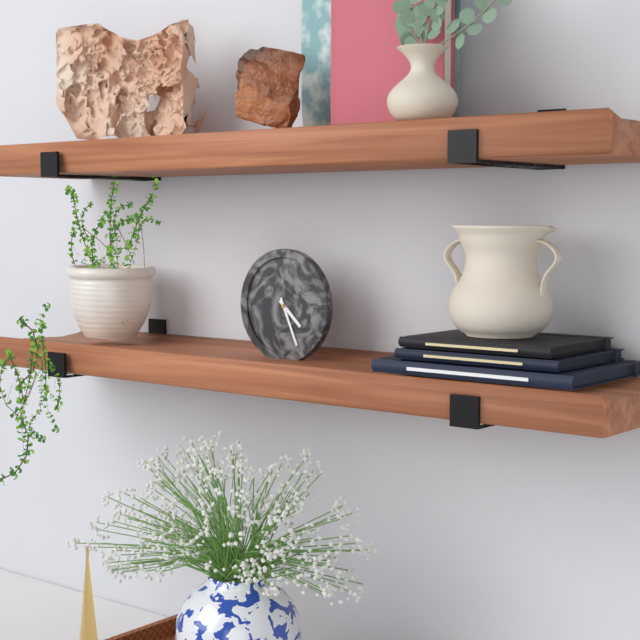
4.26
